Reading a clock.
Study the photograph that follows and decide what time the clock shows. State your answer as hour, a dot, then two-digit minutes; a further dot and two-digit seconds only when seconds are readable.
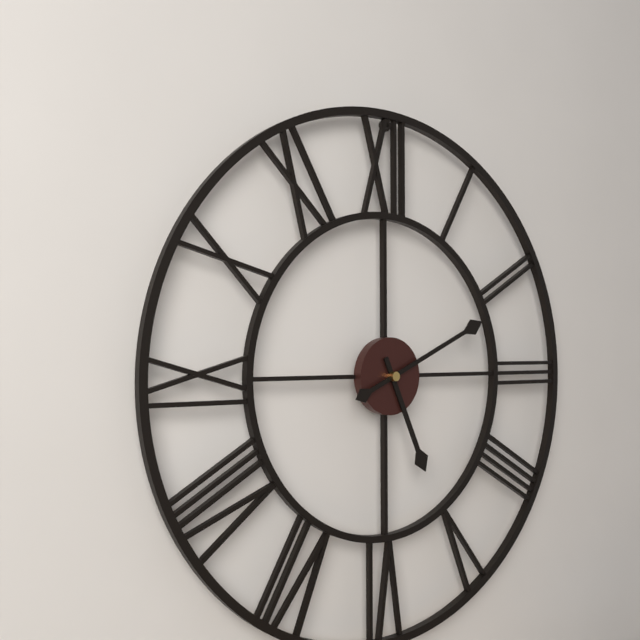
5.11
